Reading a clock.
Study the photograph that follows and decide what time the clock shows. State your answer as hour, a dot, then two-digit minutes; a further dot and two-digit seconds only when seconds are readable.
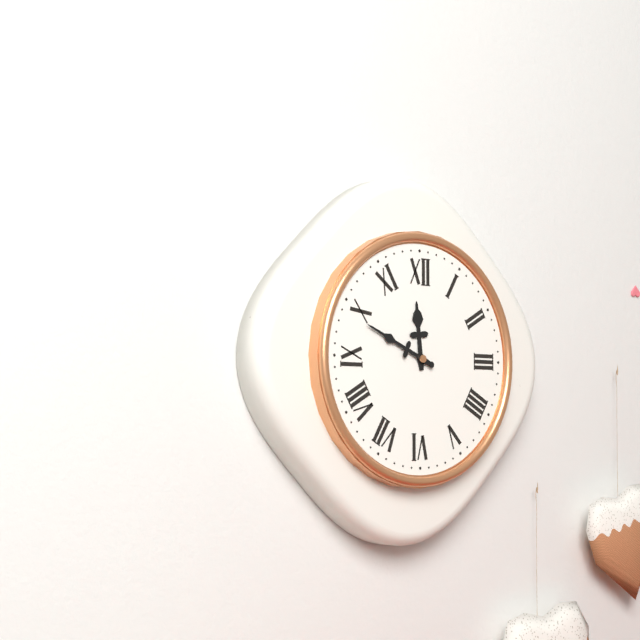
11.49
